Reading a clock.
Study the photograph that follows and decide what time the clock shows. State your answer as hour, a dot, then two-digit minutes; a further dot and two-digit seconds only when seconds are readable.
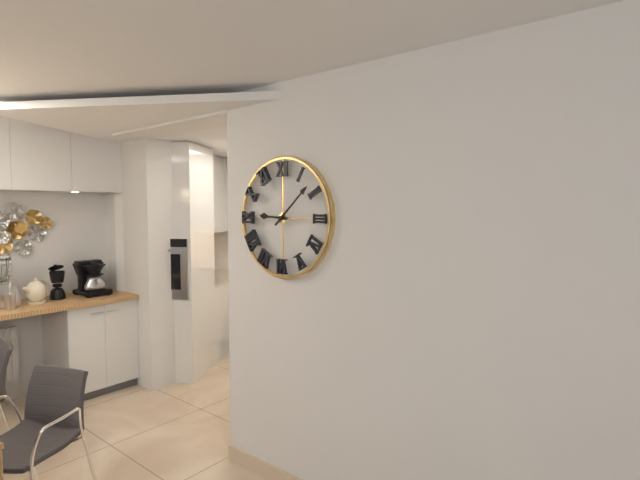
9.08
